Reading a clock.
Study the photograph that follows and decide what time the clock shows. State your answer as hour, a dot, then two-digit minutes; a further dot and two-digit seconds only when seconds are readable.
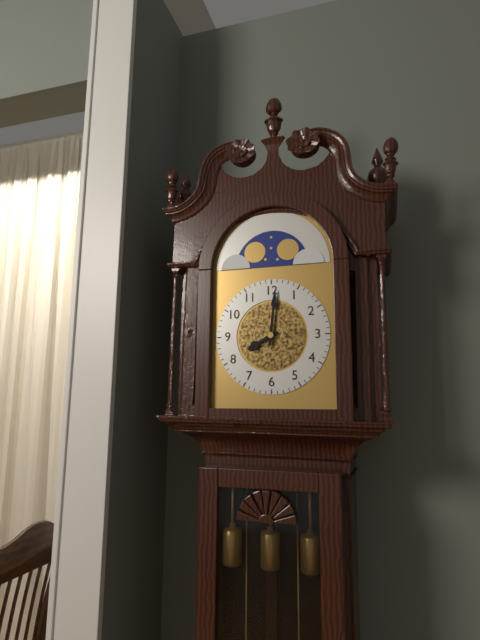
8.01
